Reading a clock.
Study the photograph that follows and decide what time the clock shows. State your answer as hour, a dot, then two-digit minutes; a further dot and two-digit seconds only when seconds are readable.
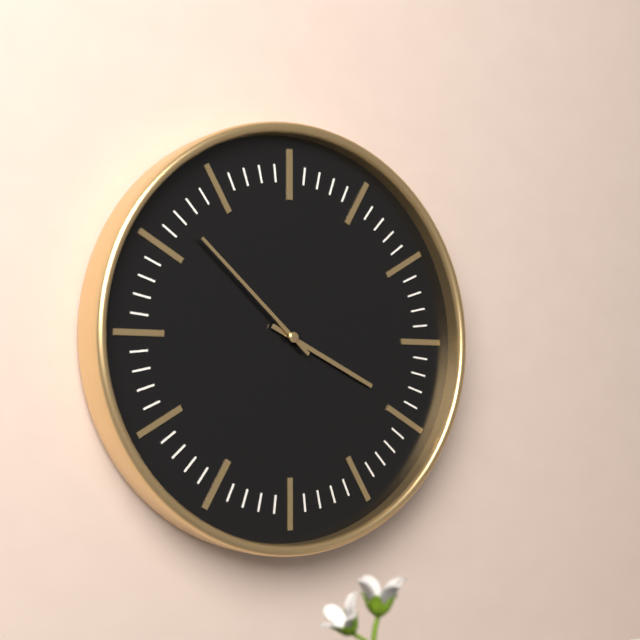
3.52
